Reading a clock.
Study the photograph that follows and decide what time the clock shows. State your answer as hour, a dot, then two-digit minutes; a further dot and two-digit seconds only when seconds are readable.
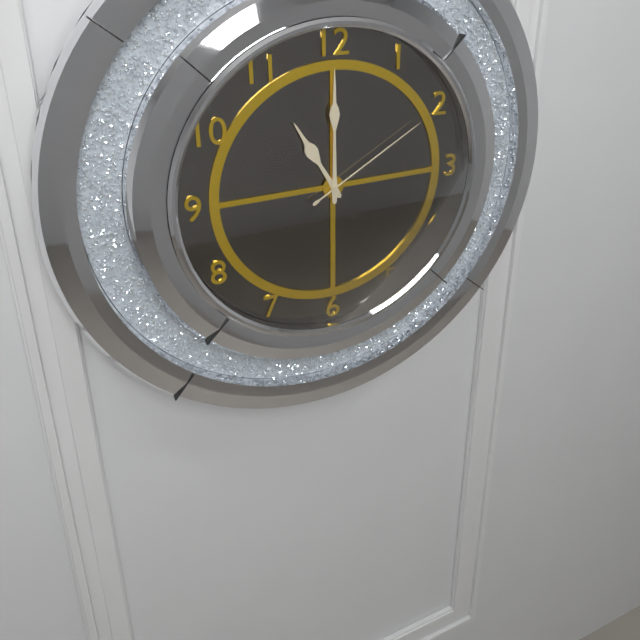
11.00.10
